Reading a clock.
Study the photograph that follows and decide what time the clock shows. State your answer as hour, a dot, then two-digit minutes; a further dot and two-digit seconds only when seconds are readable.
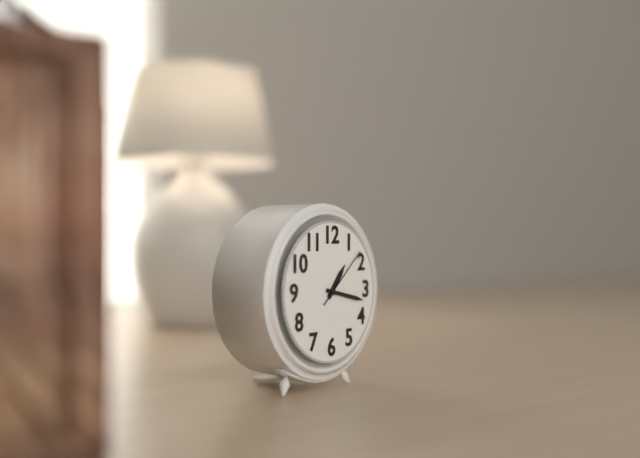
1.17.08
